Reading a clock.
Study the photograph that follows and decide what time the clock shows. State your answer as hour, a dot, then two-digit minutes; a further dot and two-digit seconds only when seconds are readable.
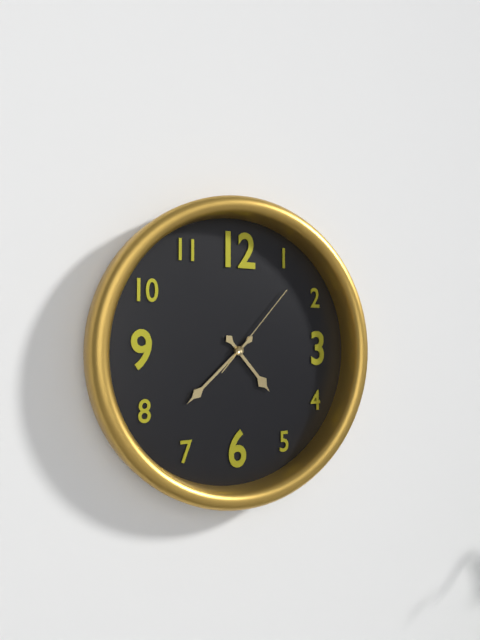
4.38.07
